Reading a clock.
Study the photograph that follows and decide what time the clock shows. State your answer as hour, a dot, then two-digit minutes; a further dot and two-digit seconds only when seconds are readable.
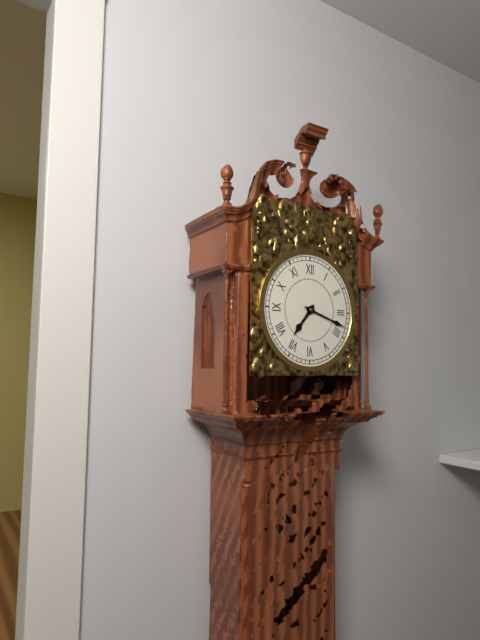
7.18
